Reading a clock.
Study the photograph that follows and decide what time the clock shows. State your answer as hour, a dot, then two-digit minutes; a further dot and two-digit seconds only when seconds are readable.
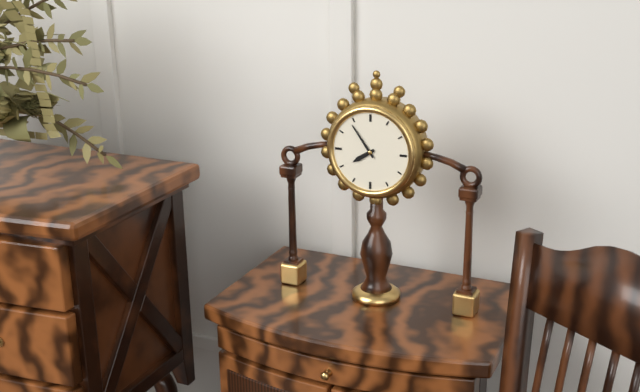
7.54
